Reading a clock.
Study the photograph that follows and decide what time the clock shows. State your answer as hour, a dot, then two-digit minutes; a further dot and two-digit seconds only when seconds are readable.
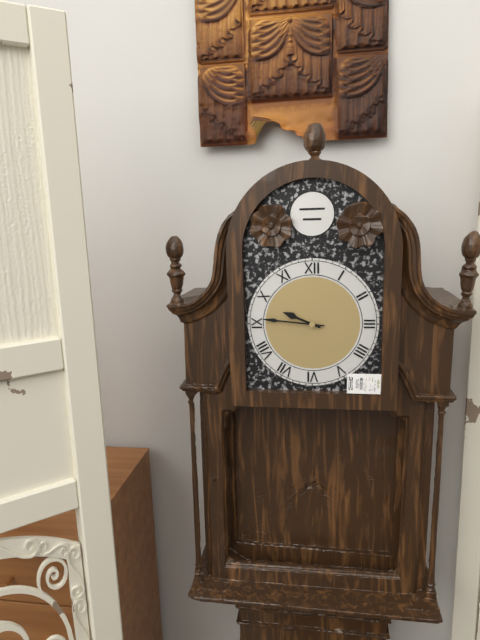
9.46
